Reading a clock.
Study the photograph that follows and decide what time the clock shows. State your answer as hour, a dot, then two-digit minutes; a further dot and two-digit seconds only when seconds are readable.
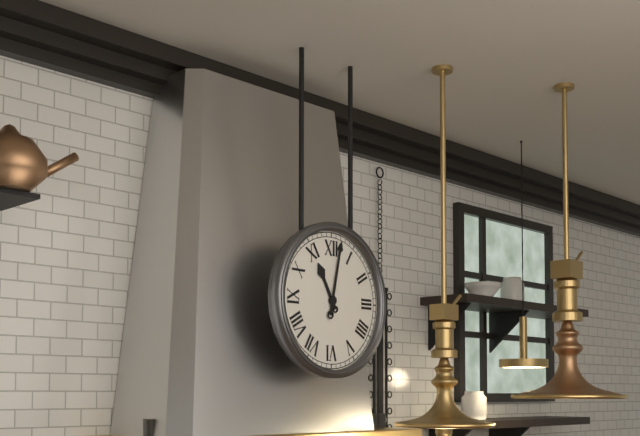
11.02
